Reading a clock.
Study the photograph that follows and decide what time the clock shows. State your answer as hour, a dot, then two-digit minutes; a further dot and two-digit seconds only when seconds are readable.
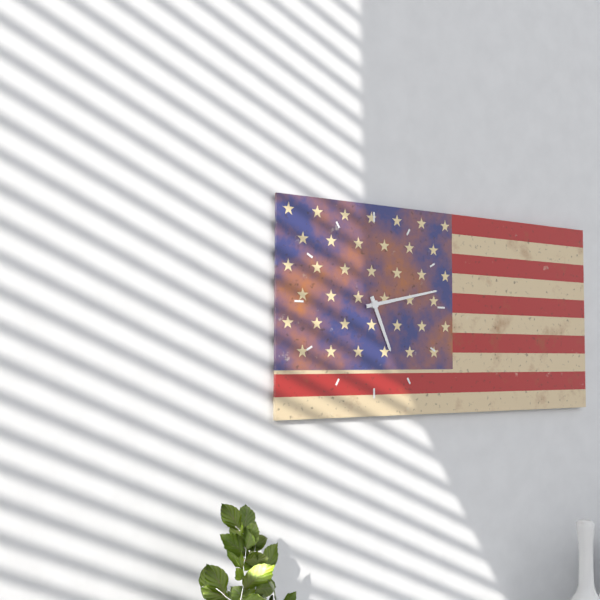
5.13
